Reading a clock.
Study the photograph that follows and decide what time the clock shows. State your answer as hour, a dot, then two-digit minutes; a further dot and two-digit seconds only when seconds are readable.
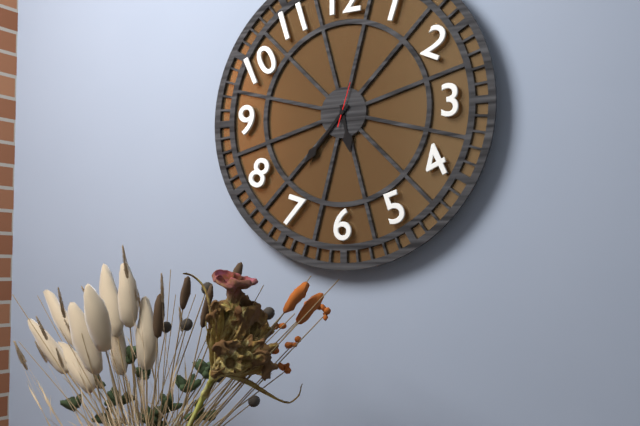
5.37
